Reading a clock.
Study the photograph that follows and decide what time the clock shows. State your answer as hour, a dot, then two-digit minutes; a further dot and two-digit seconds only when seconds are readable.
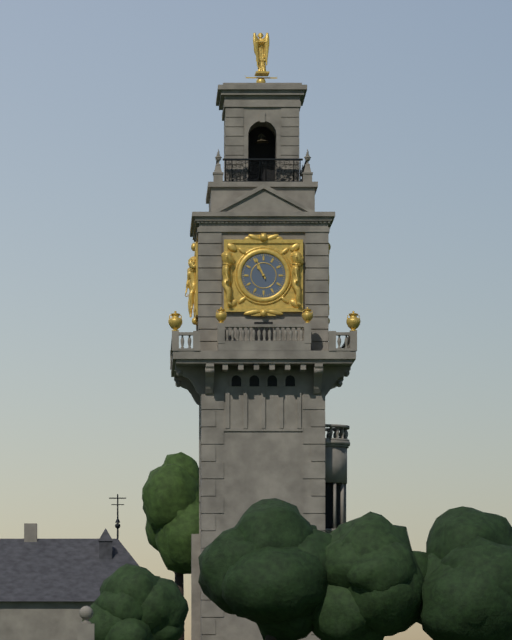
10.56
